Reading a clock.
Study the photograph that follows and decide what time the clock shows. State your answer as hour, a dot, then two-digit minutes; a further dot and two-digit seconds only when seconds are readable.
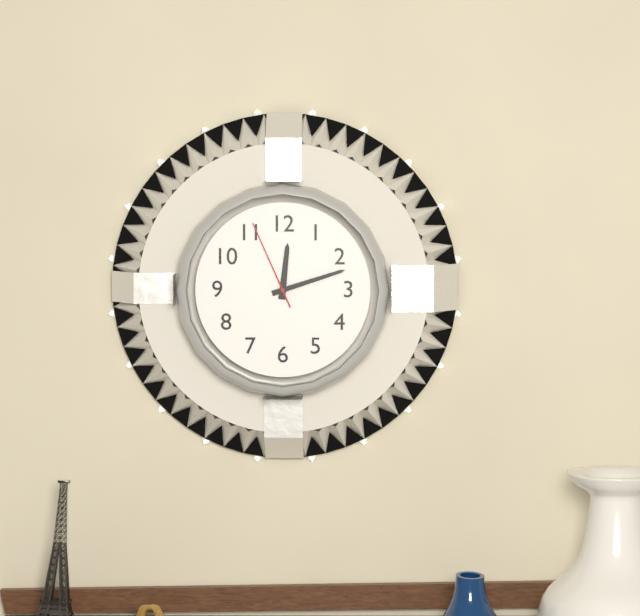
12.12.56
